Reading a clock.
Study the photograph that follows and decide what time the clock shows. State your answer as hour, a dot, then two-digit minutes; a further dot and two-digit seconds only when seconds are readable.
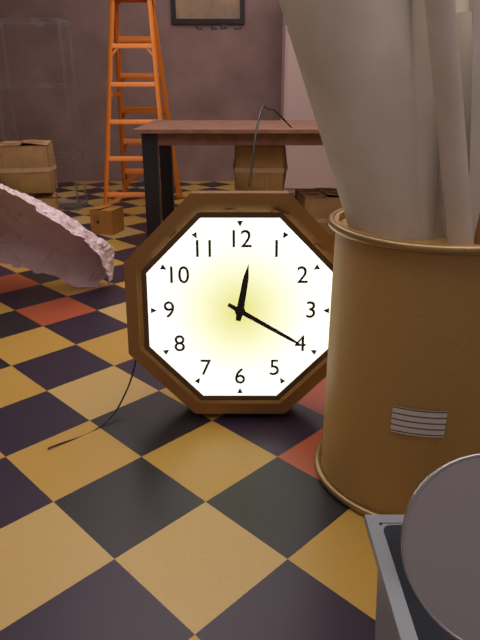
12.20
